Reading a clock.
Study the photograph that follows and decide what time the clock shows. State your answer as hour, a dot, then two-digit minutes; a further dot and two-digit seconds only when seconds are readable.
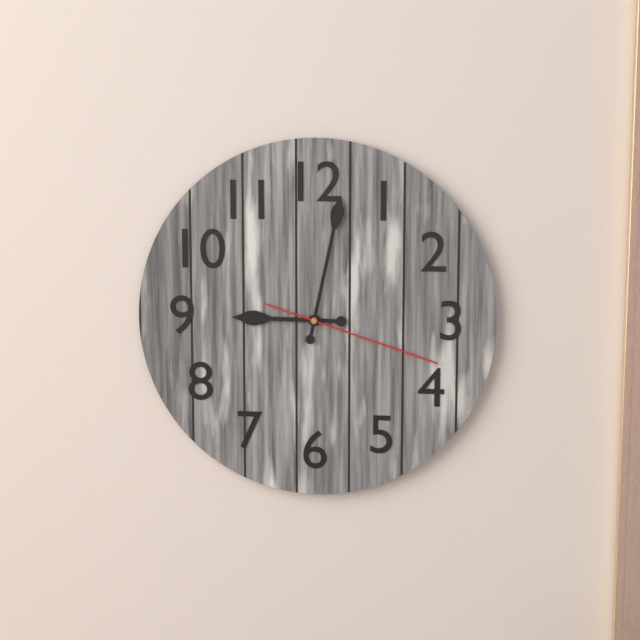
9.02.18
